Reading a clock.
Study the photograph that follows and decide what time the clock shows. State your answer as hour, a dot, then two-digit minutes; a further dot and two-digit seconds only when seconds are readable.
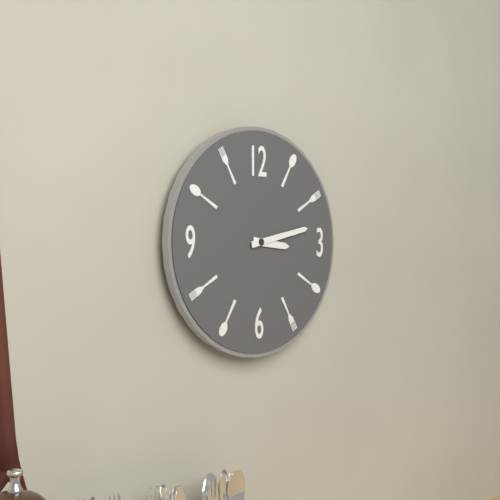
3.13
